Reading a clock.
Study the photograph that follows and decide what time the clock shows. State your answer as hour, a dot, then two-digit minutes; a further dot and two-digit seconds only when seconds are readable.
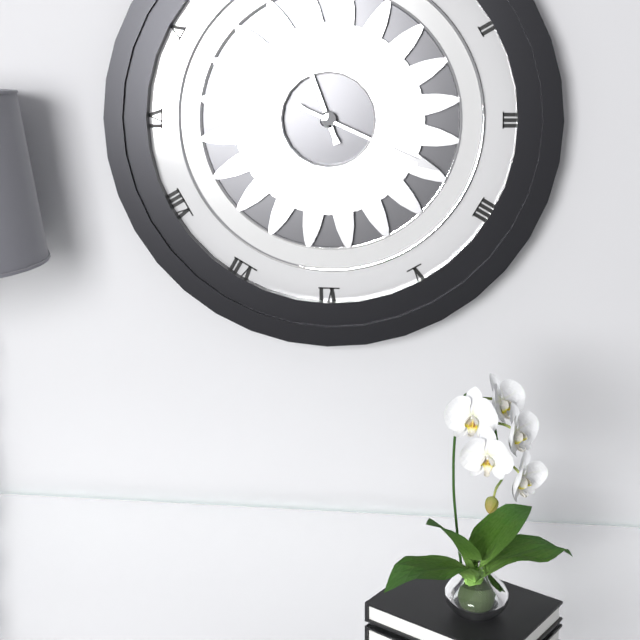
11.19
